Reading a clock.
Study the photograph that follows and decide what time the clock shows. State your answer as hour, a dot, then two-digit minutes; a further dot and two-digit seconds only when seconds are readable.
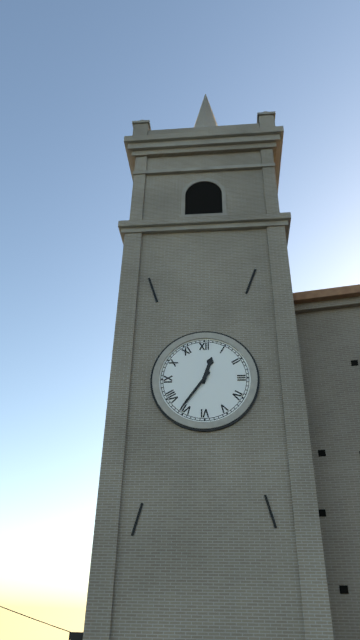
12.36
